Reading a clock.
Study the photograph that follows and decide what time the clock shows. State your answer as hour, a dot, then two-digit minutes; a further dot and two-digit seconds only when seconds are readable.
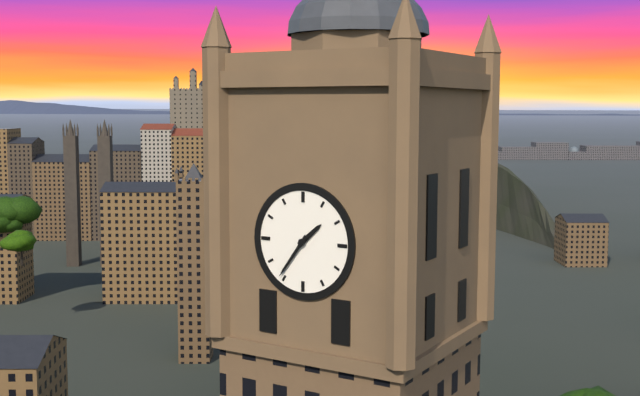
1.36
